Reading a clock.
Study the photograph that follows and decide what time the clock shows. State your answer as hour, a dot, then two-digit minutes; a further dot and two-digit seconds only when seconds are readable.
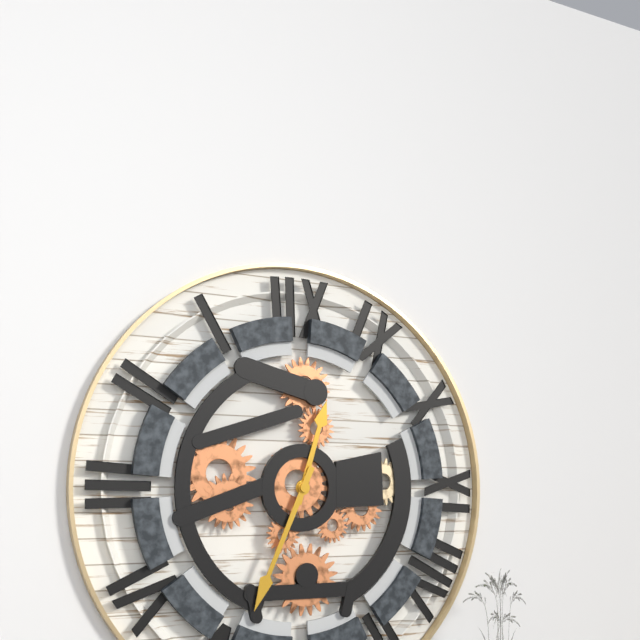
12.34
